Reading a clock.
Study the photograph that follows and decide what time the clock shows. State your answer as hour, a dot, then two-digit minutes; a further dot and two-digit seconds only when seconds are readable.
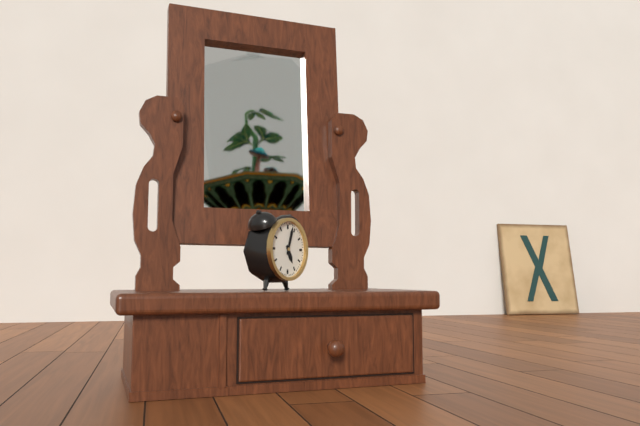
5.03
